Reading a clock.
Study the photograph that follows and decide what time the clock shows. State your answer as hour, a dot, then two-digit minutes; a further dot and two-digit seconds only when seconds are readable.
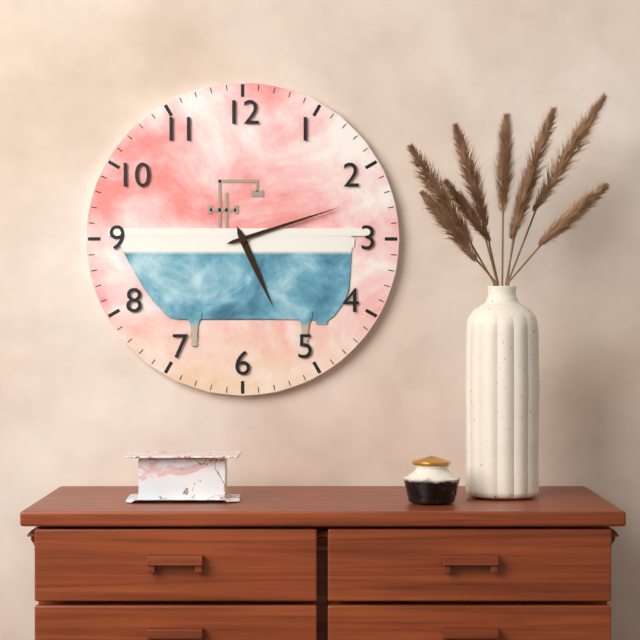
5.12
